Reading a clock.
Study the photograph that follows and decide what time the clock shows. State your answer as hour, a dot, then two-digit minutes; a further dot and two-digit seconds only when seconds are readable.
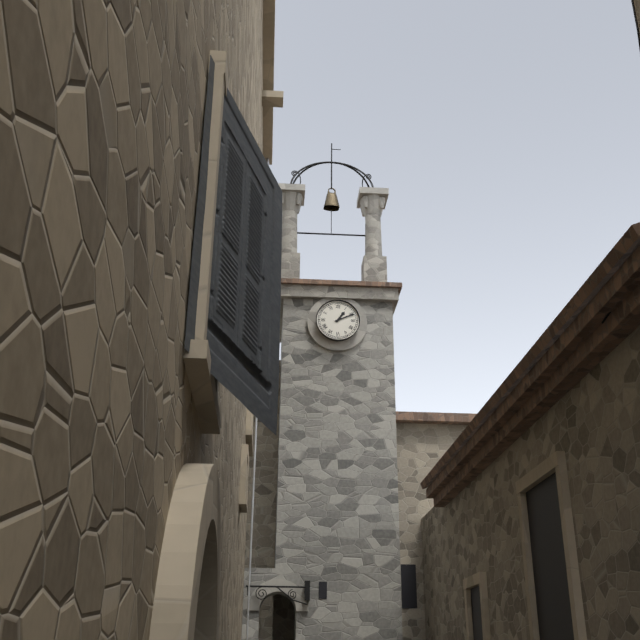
1.11
